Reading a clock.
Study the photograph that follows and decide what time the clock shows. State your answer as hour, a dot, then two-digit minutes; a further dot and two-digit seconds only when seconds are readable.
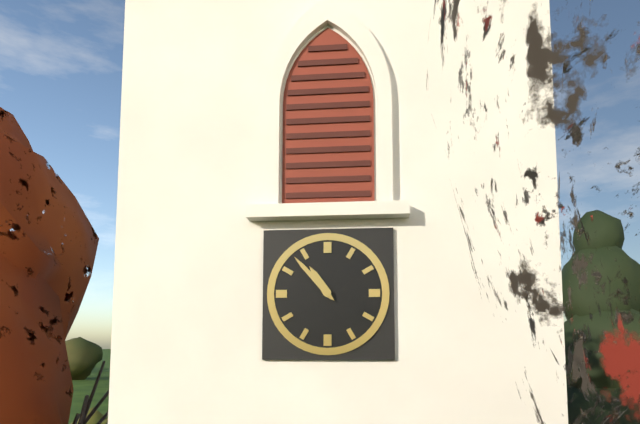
10.53
